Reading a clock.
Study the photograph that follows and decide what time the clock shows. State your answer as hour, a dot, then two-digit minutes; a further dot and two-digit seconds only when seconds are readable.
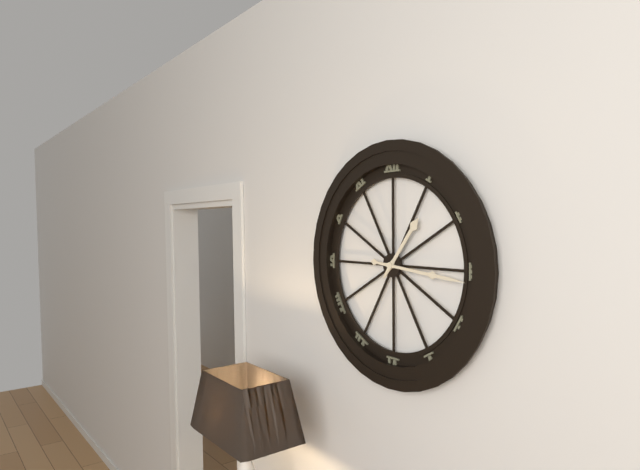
1.16
